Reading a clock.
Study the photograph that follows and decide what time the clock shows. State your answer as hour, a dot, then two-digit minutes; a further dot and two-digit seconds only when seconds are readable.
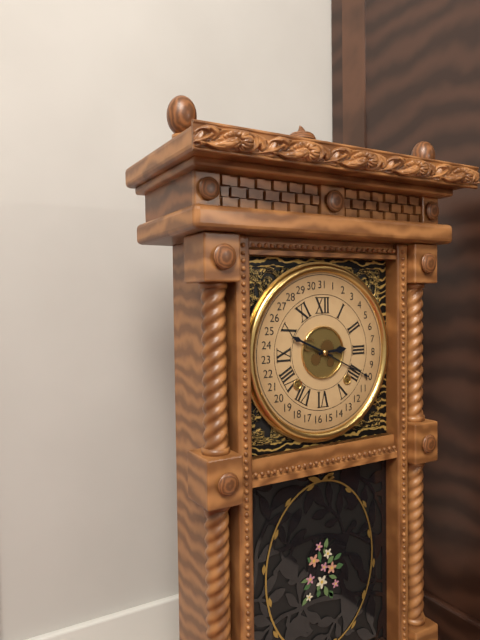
2.49
